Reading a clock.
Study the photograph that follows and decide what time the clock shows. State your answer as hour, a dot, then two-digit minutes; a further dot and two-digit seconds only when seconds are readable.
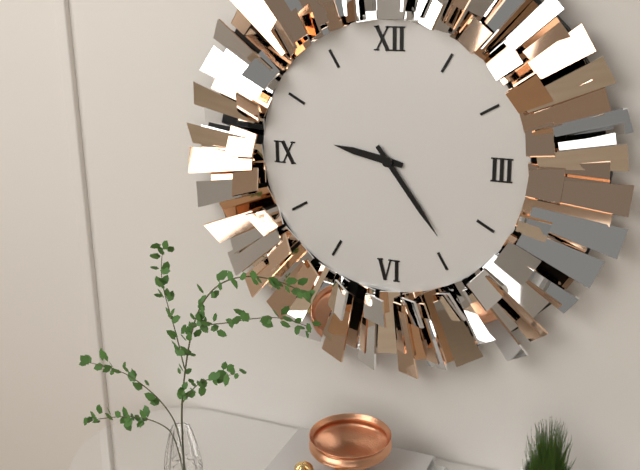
9.24
